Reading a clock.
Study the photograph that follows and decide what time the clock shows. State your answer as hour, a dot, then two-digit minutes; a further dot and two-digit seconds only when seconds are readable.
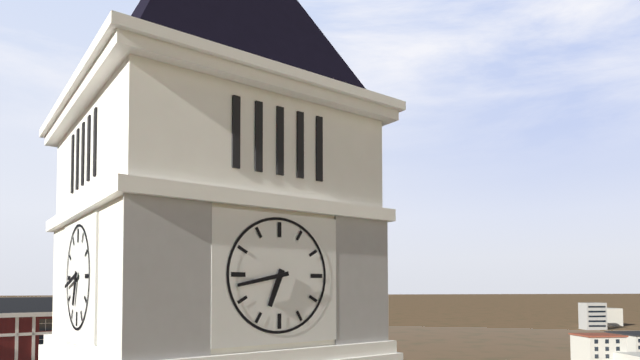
6.43
